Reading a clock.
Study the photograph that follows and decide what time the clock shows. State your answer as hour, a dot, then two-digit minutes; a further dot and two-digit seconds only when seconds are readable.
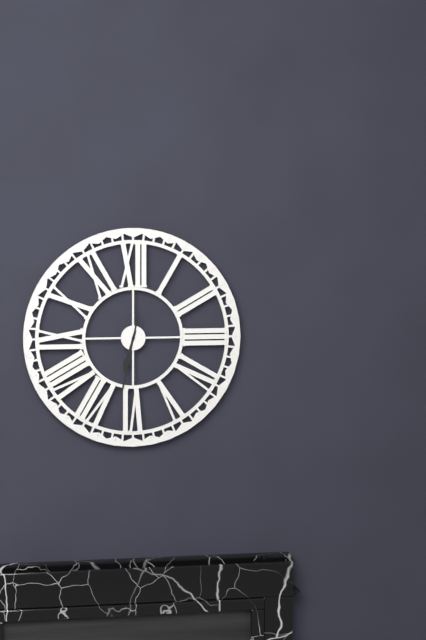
6.32
